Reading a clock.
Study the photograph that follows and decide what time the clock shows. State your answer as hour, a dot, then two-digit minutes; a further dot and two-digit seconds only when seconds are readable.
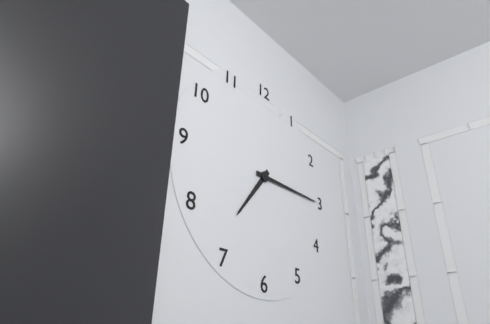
7.15
